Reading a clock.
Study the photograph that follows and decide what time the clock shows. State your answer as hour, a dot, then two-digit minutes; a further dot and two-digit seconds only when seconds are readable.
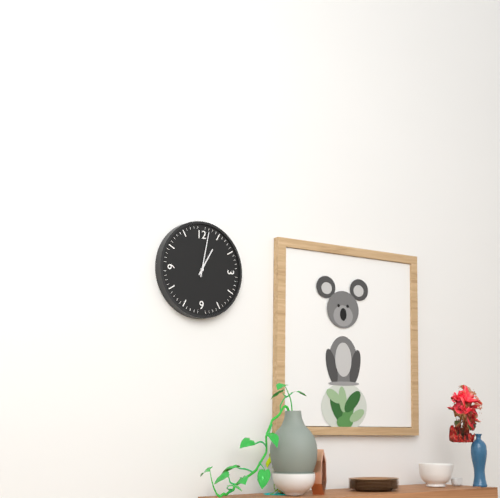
1.02
